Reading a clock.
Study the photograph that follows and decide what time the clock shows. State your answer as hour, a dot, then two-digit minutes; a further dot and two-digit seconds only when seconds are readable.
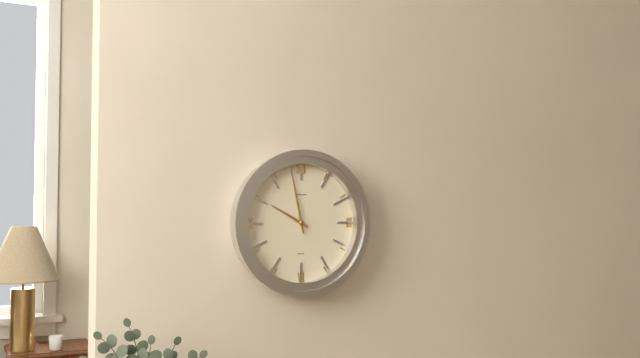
9.58
